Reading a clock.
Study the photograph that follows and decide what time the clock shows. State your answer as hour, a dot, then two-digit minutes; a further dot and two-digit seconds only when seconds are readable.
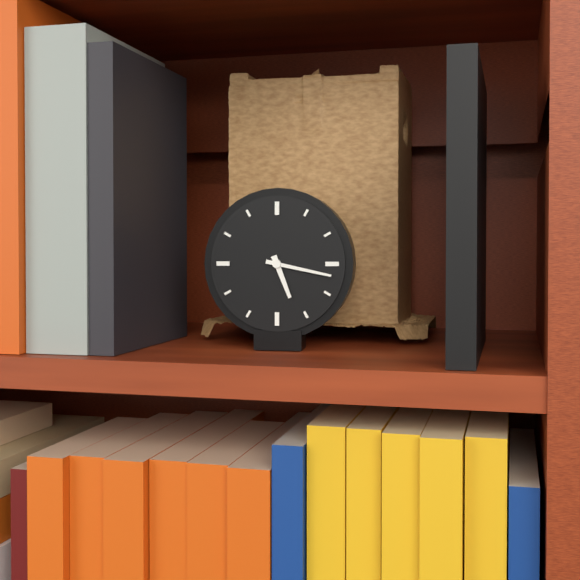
5.17
